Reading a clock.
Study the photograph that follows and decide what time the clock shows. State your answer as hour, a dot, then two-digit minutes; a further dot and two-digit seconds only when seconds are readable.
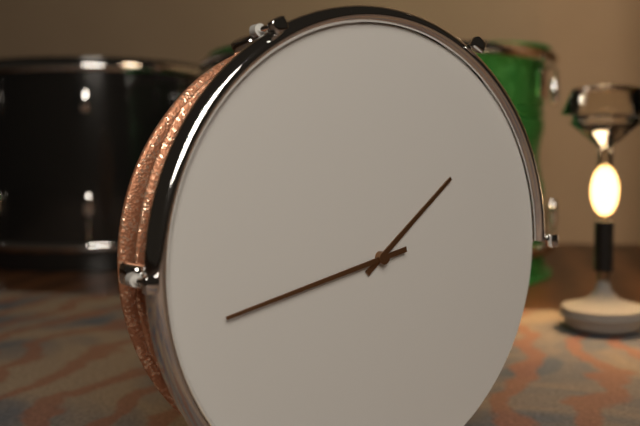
1.43
